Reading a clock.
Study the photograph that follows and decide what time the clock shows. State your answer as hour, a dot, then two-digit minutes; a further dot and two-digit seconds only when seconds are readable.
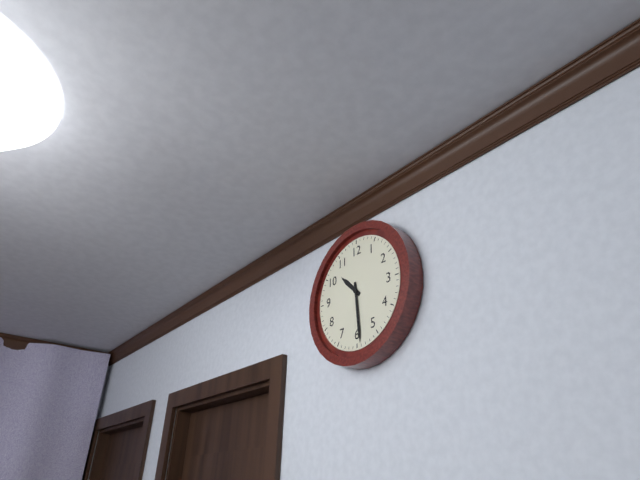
10.29
